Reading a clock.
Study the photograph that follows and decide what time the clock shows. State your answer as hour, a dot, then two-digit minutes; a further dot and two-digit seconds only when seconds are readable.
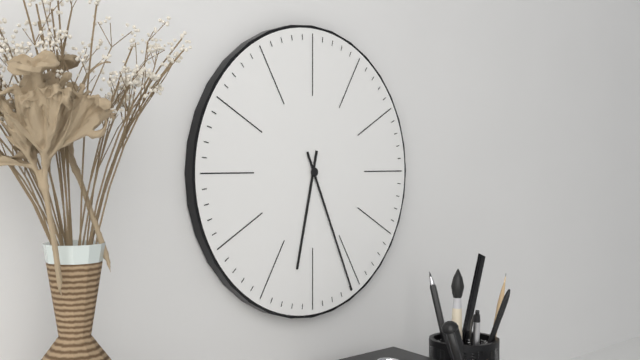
6.26
